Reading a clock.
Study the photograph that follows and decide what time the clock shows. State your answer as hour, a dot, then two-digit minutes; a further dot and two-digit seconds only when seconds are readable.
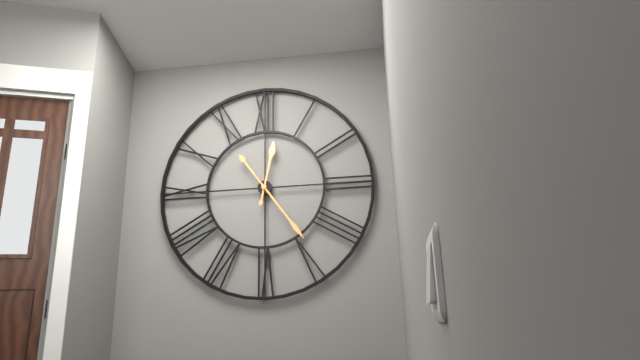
12.24
